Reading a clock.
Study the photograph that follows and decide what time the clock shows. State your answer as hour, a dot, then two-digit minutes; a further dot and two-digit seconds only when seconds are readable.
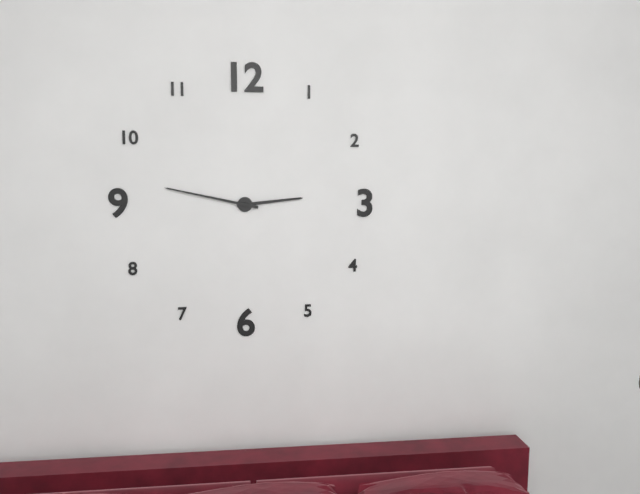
2.47
